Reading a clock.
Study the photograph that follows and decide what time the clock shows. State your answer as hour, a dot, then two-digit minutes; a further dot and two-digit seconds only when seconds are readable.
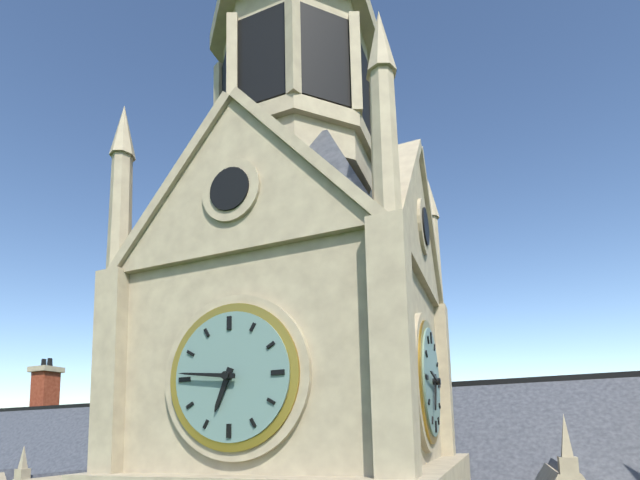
6.46
